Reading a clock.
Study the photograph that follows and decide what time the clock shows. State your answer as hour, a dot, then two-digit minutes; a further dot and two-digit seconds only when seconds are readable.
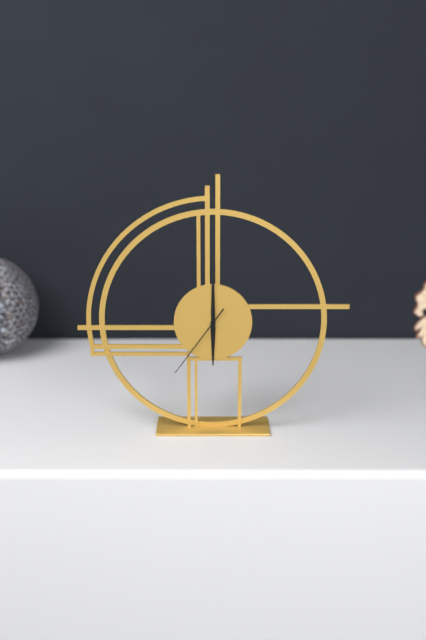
6.00.36
